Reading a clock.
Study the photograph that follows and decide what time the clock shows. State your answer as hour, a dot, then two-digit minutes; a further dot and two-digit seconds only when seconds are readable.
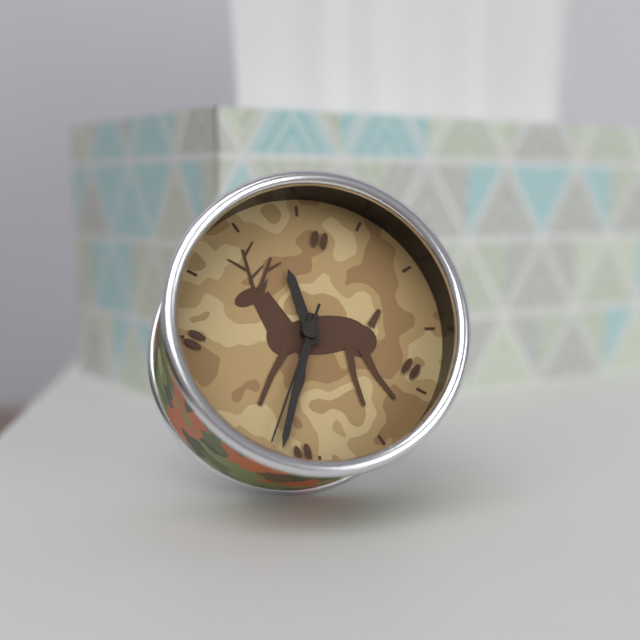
11.33.34
